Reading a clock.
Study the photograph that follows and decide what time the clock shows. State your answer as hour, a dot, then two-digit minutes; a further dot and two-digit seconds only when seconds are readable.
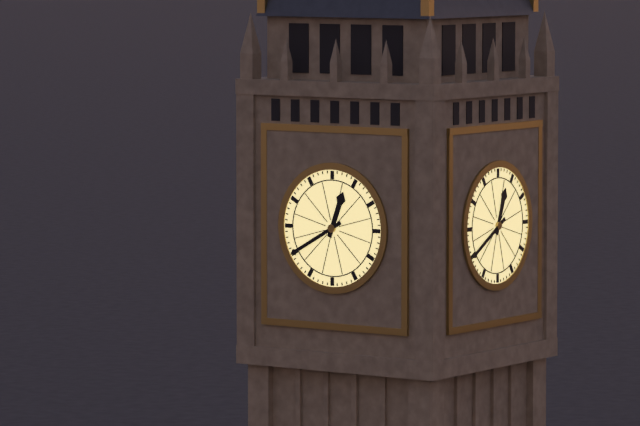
12.40
